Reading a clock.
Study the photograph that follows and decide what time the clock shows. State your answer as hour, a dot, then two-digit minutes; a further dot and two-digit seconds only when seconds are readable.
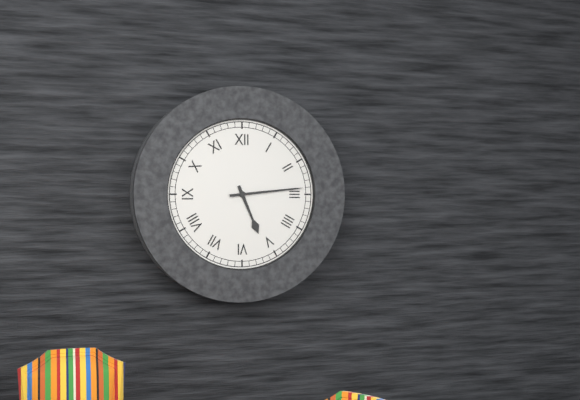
5.14
